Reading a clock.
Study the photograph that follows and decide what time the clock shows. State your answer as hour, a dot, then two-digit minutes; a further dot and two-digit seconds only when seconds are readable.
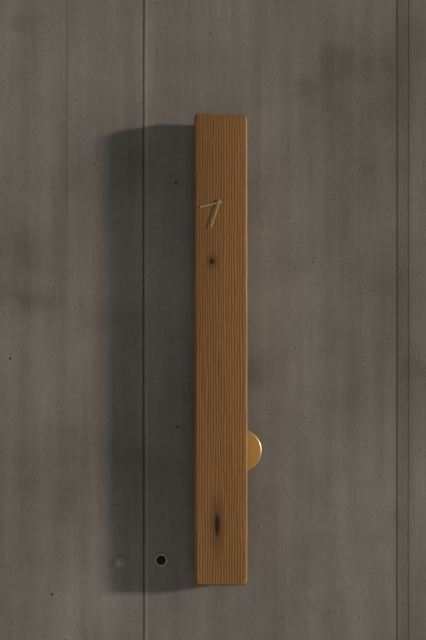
8.33
